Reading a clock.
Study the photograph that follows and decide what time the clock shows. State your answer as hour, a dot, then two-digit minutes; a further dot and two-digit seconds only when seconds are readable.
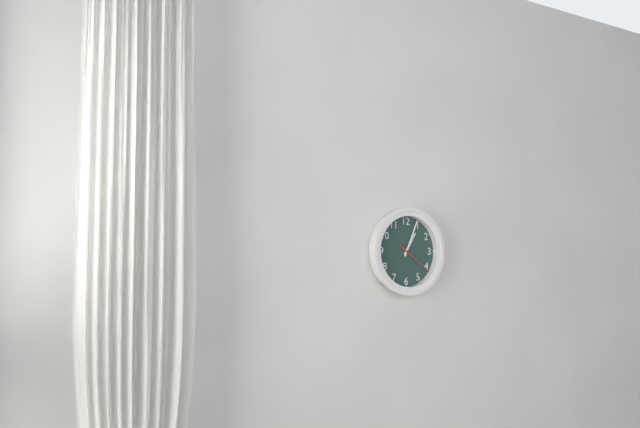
1.04
